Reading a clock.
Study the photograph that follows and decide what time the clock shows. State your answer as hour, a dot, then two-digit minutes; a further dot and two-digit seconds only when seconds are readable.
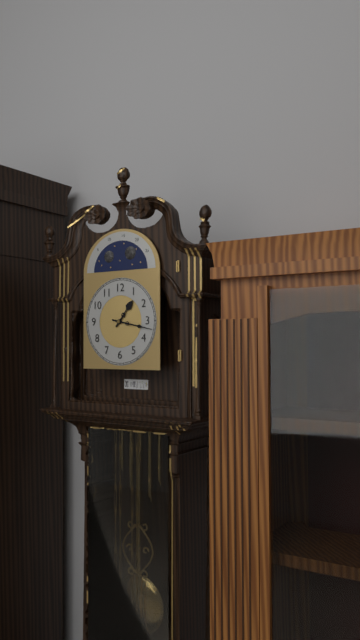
1.17
